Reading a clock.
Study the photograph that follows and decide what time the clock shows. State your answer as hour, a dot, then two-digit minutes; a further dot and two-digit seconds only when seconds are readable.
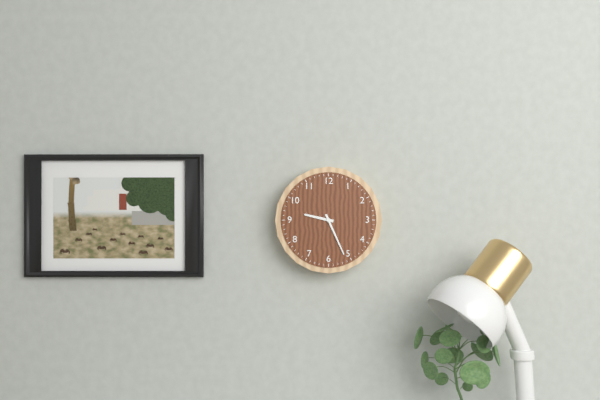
9.26
